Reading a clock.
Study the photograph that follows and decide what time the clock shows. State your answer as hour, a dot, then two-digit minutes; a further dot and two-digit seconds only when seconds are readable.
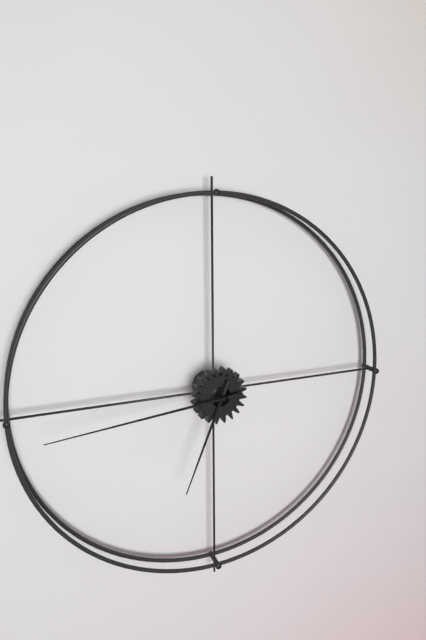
6.44
